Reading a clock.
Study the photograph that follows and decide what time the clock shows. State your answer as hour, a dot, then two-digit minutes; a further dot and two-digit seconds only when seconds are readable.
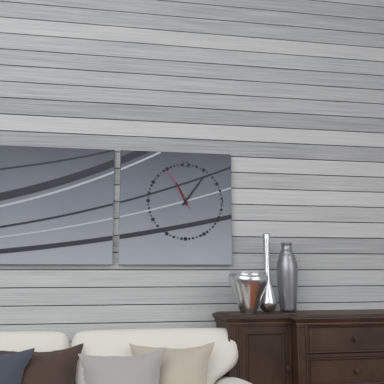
11.06
